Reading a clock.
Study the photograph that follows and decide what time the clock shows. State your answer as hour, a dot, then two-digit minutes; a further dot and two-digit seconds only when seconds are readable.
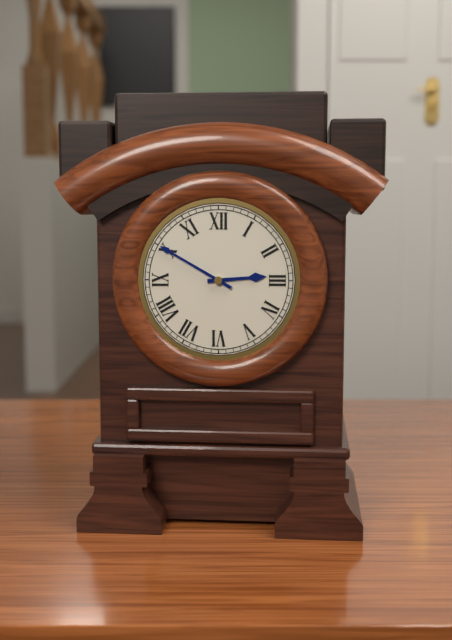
2.50
